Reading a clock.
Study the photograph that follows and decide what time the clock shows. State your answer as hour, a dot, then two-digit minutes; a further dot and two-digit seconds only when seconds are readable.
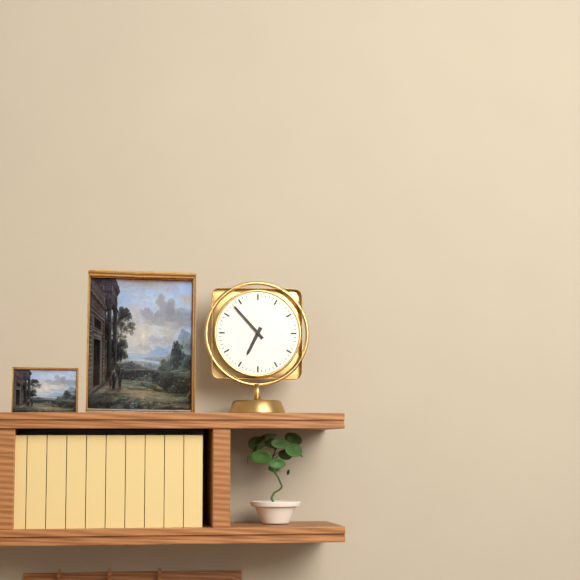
6.53
